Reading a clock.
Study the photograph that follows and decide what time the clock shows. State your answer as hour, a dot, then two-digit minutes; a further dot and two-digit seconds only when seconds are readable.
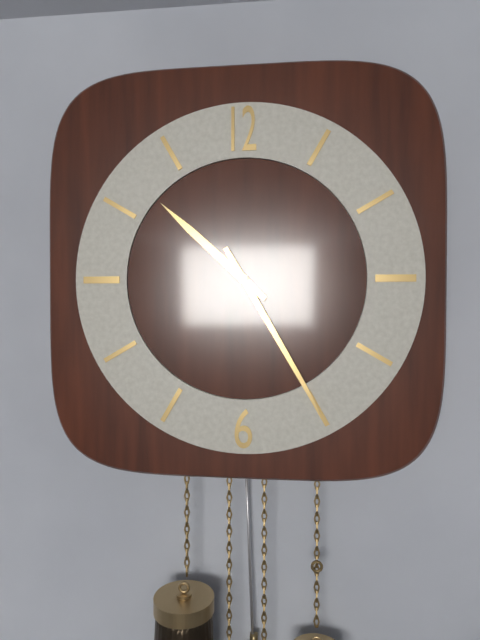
10.25
